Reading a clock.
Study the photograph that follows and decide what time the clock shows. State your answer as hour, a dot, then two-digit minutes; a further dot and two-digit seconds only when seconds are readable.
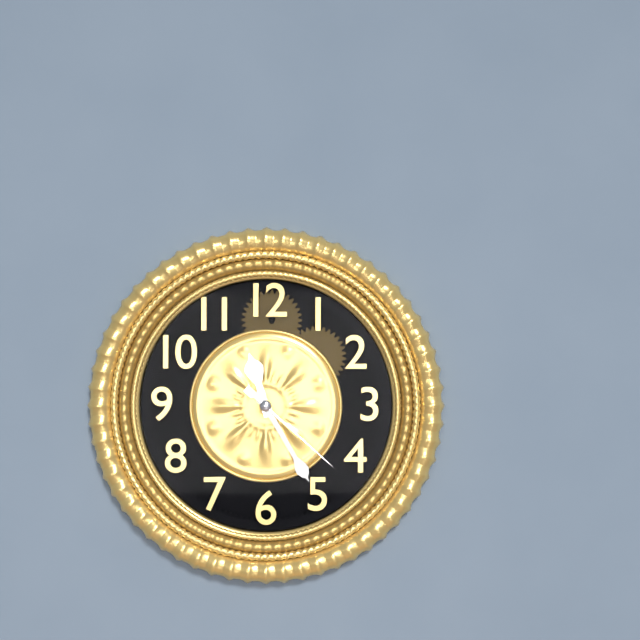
11.25.22
